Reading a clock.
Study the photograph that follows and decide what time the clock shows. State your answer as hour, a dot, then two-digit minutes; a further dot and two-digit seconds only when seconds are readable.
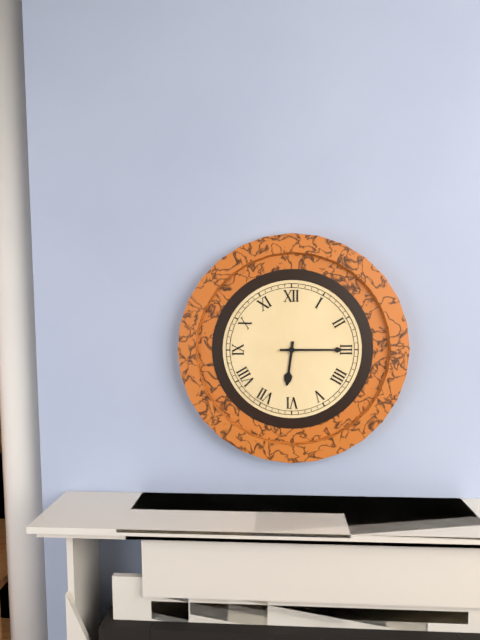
6.15
